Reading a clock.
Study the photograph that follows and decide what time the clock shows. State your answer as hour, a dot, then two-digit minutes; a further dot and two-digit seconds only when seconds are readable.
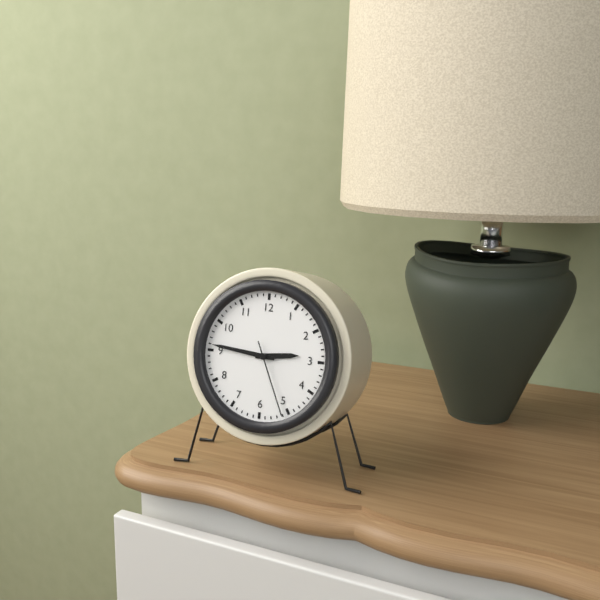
2.46.26
